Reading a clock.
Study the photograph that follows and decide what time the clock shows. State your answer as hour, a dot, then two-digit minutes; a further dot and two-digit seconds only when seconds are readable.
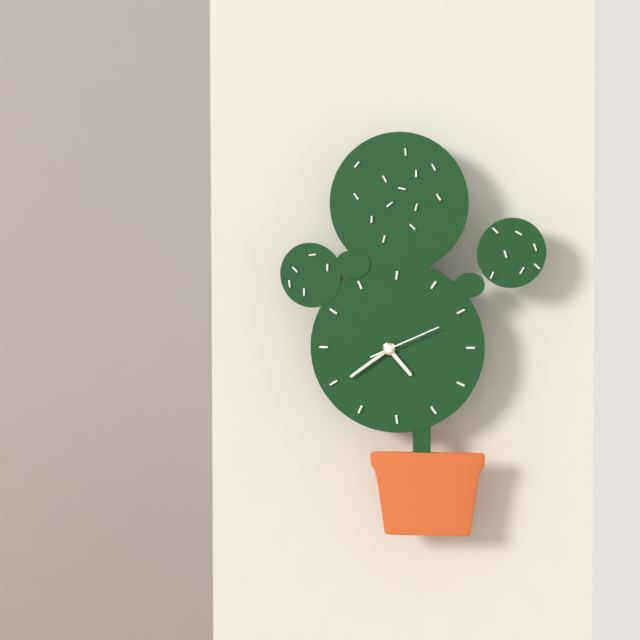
4.39.11
